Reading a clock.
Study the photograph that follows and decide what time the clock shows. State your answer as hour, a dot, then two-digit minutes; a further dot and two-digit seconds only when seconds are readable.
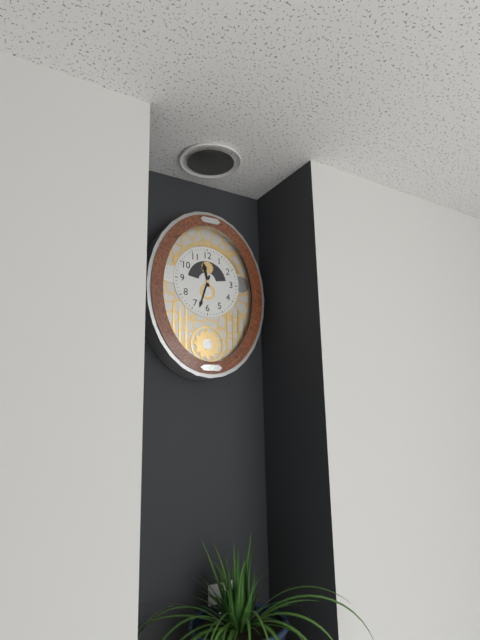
11.33
